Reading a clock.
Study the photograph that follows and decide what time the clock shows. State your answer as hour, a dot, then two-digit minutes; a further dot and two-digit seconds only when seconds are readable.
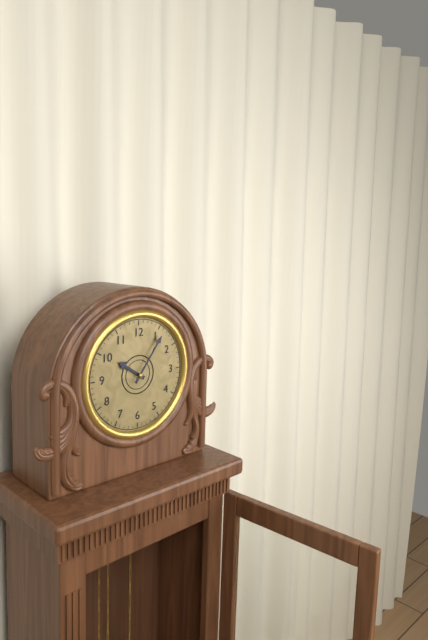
10.06
